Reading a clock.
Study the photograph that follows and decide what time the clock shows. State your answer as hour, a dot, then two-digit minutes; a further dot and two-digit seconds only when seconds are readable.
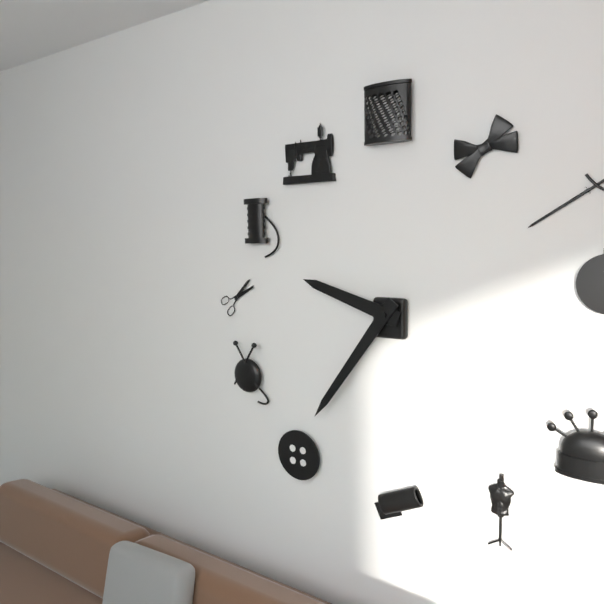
9.36
